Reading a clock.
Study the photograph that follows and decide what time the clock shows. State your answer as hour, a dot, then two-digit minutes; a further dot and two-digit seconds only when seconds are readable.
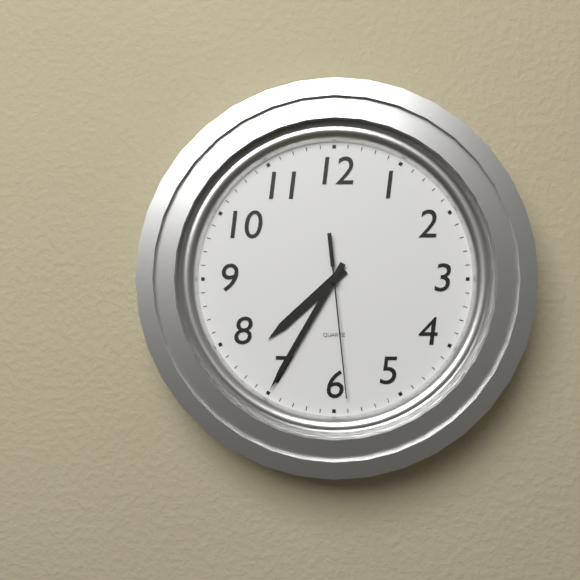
7.35.29
